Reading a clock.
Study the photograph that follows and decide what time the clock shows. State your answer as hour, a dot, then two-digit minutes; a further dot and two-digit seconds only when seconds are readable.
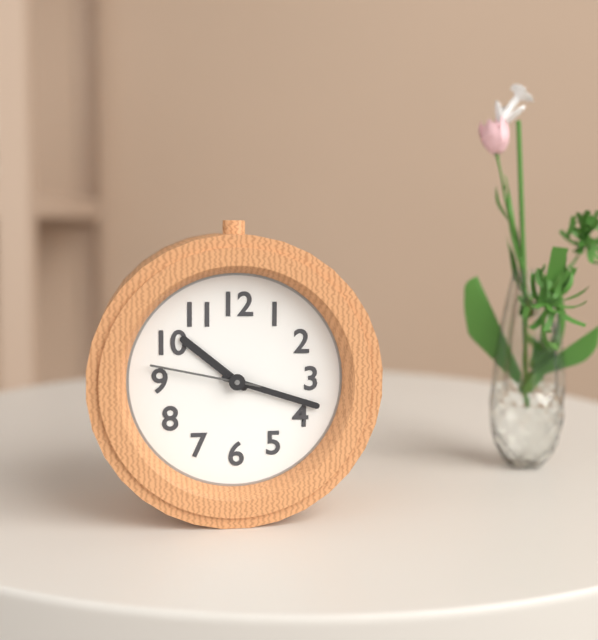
10.18.47
